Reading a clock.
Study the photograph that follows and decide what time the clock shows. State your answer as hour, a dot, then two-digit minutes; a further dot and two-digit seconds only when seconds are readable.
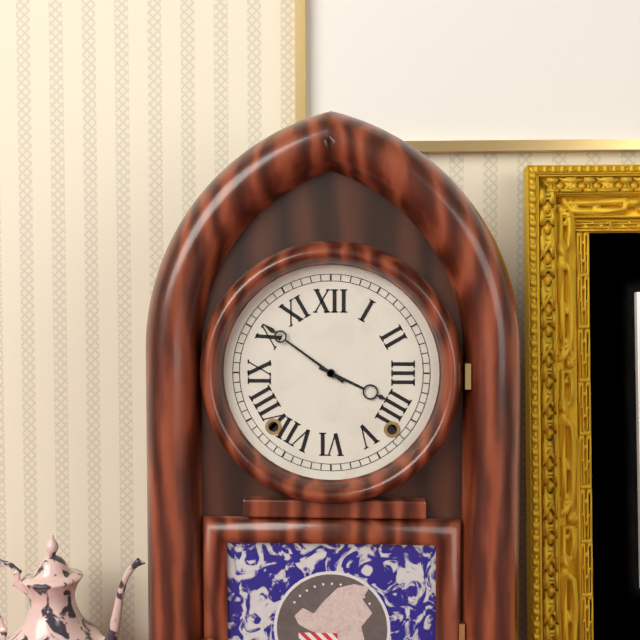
3.51
